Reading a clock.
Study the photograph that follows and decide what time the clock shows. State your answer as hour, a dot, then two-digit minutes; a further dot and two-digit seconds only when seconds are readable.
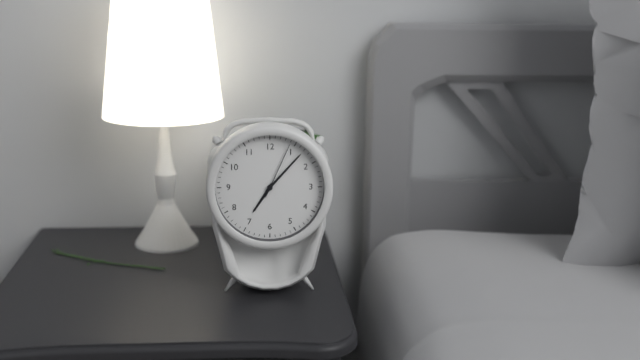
7.07.04
